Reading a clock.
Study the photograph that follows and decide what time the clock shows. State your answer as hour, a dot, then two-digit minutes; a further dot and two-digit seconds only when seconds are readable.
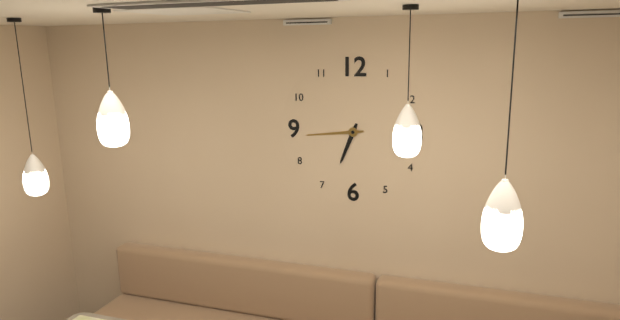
6.44
